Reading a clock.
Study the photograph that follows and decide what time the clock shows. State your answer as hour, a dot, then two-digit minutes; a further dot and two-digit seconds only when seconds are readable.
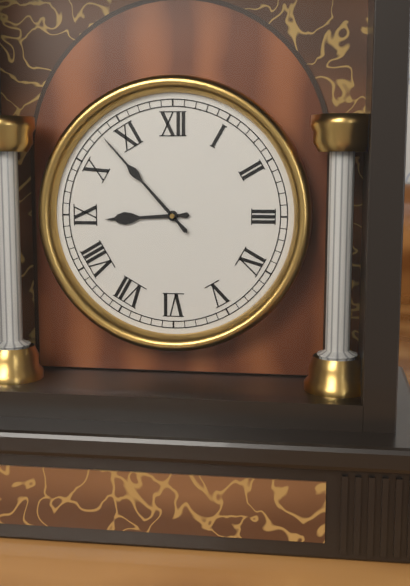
8.53
